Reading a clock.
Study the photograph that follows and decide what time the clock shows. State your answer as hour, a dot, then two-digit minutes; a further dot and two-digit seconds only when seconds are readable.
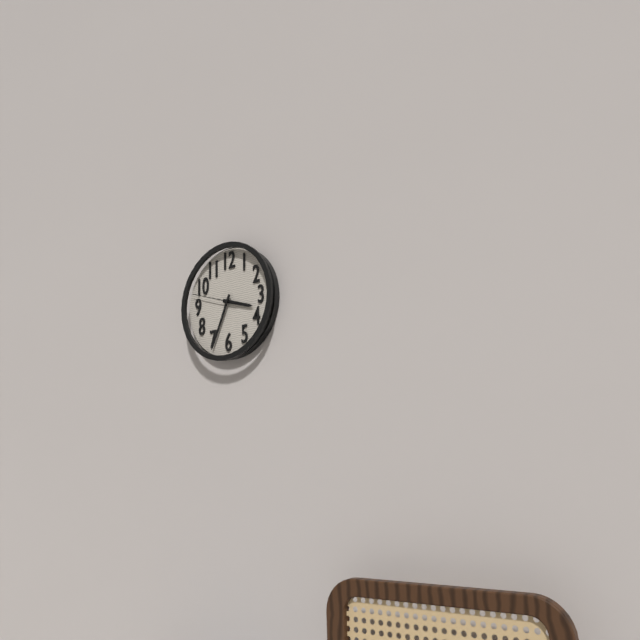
3.34.48
